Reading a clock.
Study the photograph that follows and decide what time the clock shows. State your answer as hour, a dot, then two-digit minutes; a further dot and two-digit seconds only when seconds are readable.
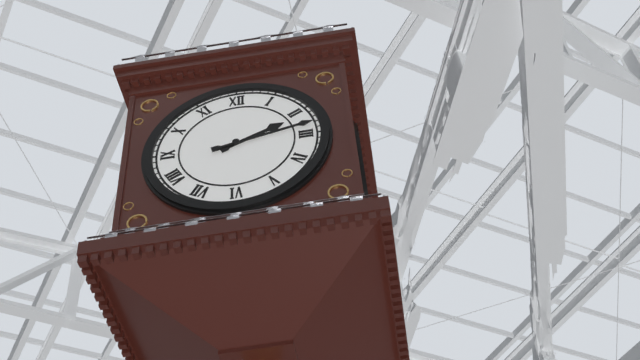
2.13
